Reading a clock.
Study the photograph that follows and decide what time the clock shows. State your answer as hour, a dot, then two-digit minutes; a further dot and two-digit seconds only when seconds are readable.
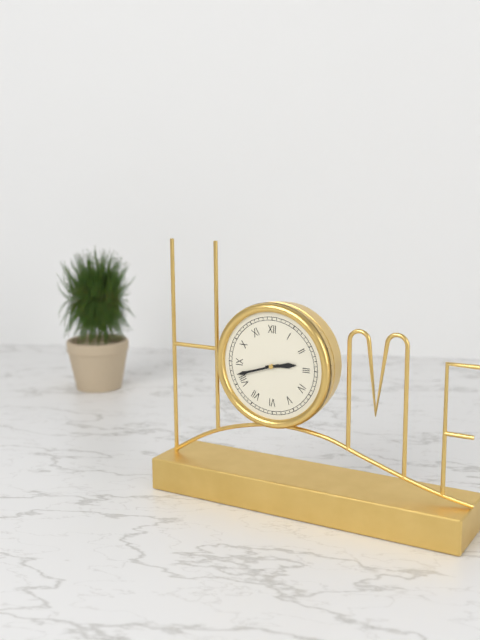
2.42
